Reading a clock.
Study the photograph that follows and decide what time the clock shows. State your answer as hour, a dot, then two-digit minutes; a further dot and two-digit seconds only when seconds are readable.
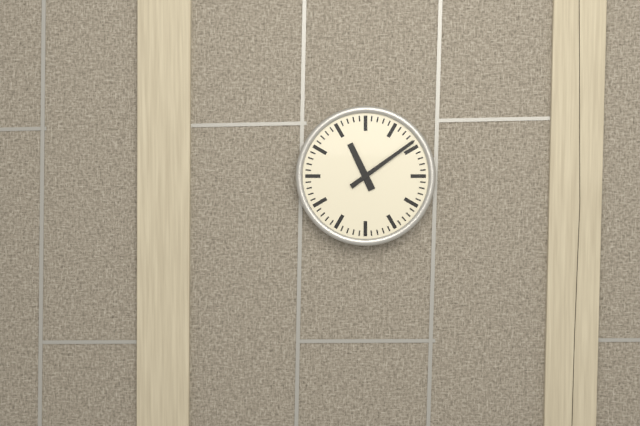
11.09
